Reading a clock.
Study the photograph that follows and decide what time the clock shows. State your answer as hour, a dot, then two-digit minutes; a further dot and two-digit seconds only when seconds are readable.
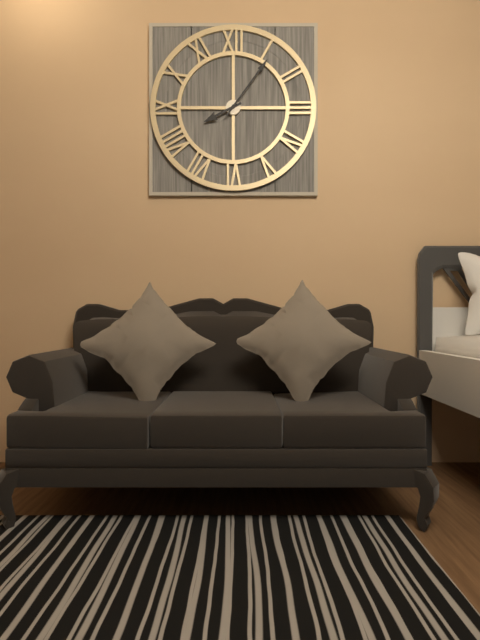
8.06
